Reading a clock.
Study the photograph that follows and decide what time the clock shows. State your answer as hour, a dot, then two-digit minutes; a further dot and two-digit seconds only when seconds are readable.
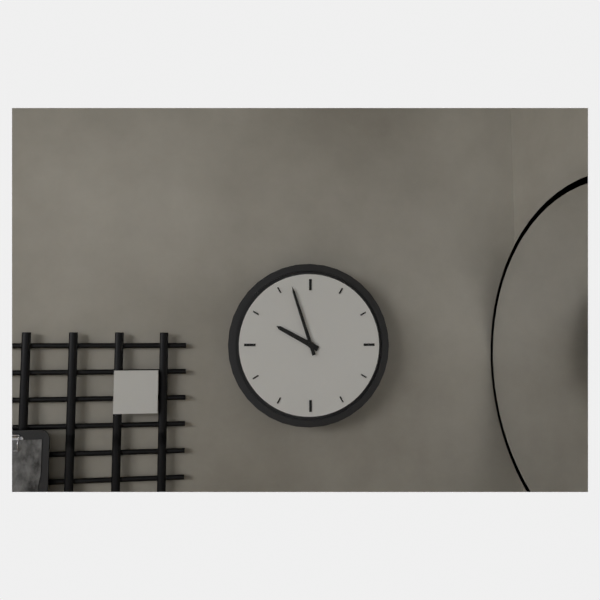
9.57
